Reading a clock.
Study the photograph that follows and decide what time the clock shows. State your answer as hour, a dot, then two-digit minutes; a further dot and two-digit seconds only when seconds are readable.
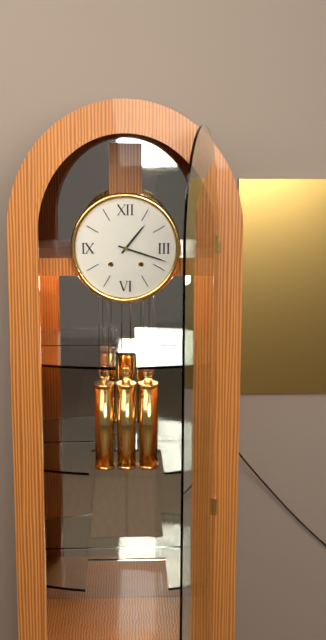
1.18
